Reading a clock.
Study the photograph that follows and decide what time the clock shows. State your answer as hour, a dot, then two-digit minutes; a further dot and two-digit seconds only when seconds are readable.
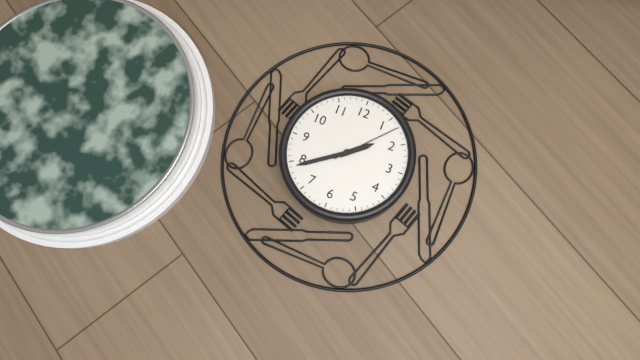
1.39.07
